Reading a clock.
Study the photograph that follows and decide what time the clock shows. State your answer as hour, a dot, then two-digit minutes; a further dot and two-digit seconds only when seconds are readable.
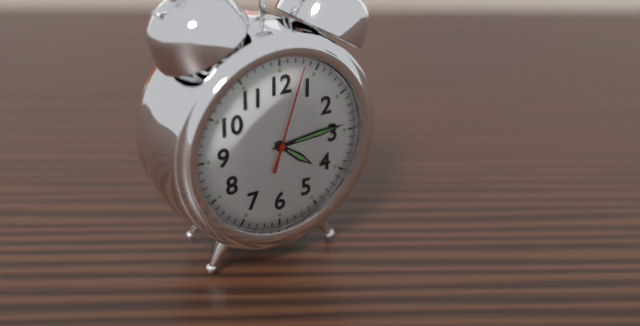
4.14.03
